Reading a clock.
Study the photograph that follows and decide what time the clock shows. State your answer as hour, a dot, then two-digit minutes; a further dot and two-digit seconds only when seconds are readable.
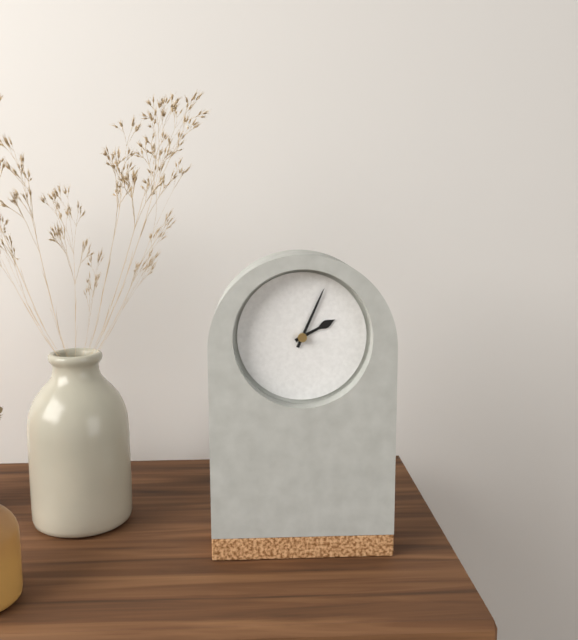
2.04
